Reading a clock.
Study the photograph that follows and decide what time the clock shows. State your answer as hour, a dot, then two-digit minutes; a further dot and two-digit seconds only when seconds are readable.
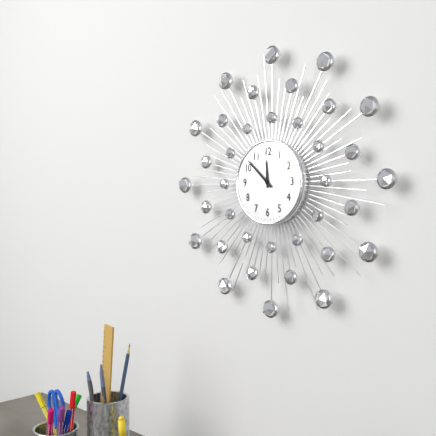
11.52
